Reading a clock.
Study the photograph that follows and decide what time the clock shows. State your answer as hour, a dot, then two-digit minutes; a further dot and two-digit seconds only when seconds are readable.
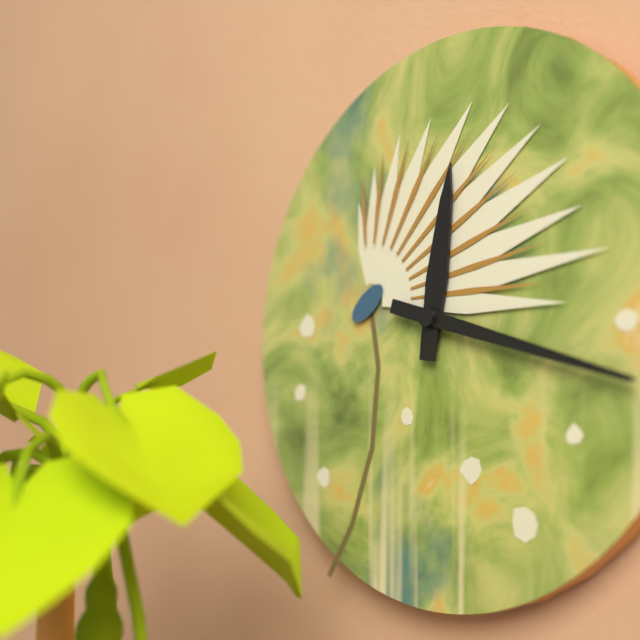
12.18
